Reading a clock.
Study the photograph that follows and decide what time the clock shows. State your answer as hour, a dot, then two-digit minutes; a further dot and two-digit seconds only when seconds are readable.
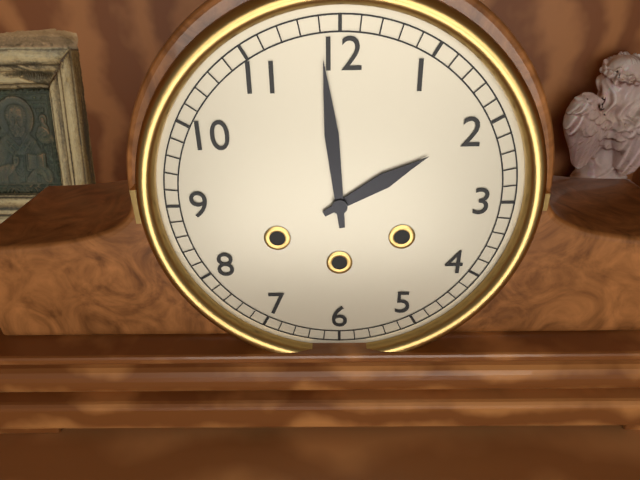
1.59
